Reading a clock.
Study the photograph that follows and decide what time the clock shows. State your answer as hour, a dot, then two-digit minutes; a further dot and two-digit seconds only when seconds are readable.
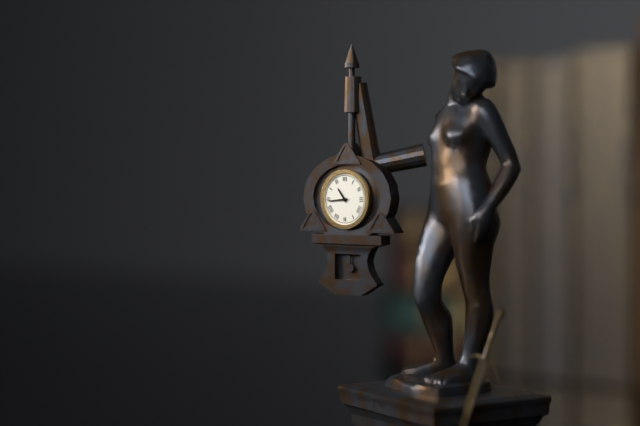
10.44
